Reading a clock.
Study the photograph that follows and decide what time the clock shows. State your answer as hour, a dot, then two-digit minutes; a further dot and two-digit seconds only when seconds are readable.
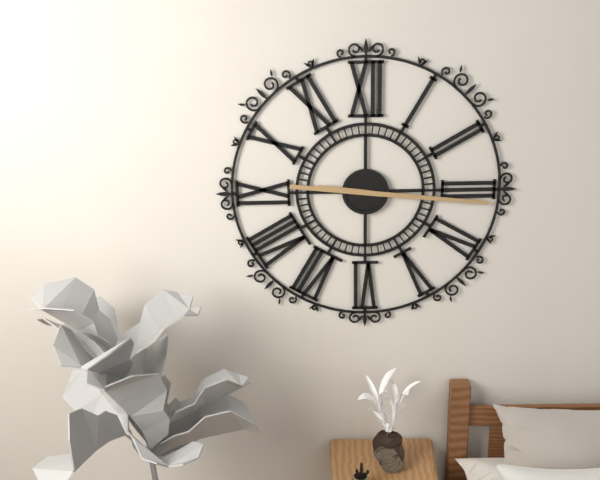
9.16
